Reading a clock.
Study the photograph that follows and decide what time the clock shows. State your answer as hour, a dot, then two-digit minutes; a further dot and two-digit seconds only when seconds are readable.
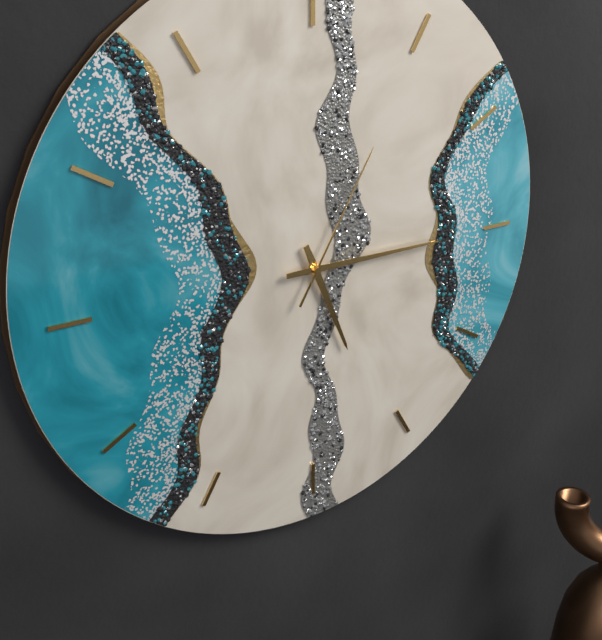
5.15.05
